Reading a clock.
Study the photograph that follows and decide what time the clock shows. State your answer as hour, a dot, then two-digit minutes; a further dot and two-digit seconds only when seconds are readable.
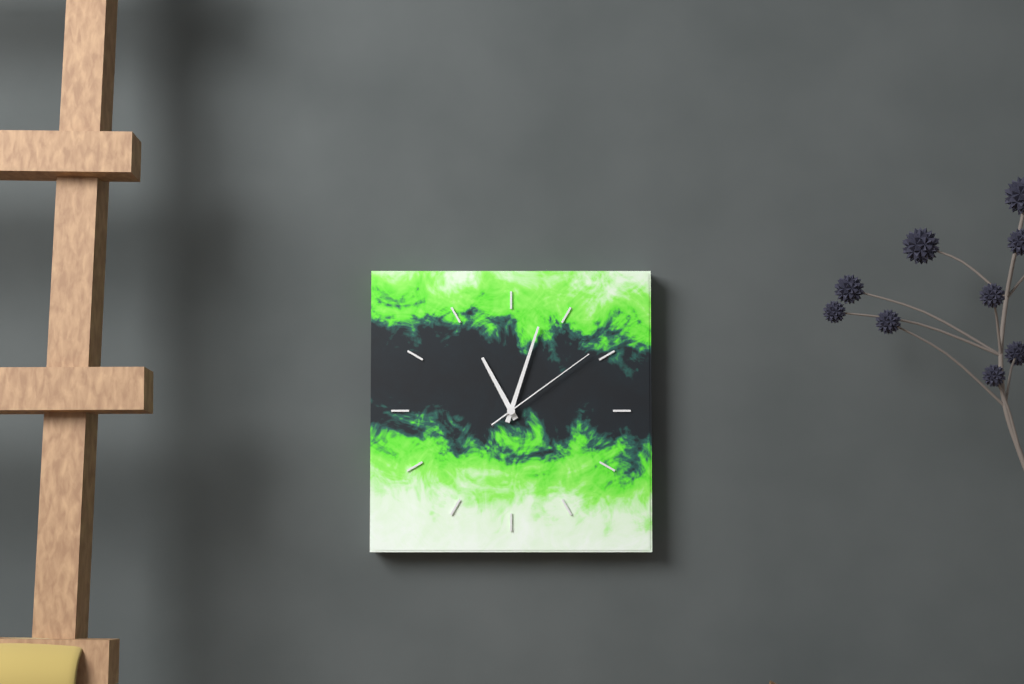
11.03.09
